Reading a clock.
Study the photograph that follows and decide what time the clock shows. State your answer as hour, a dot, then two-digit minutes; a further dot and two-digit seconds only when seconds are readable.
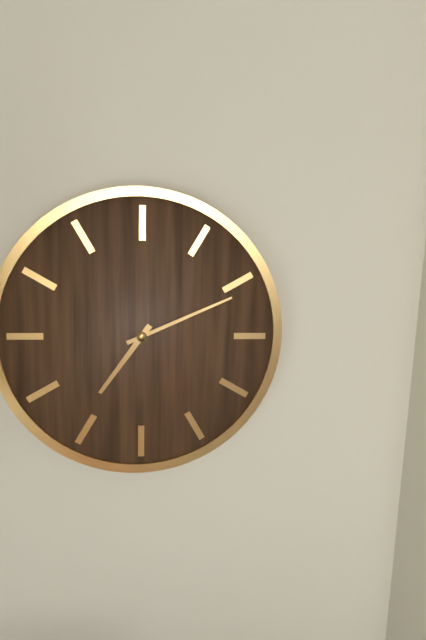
7.11
